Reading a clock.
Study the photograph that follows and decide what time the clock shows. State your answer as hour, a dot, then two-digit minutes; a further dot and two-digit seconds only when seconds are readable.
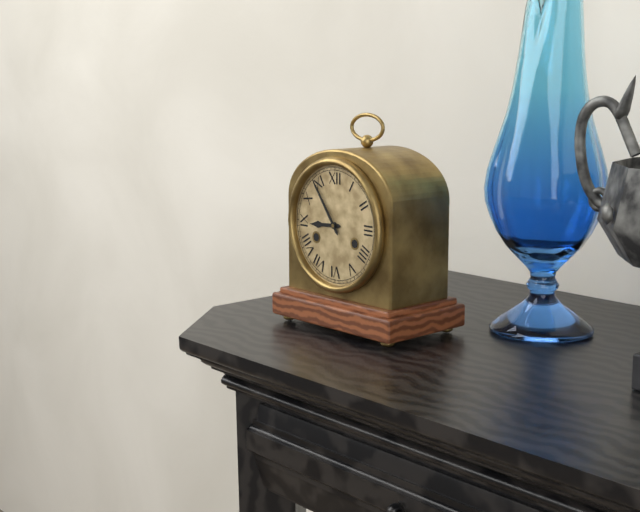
8.54
